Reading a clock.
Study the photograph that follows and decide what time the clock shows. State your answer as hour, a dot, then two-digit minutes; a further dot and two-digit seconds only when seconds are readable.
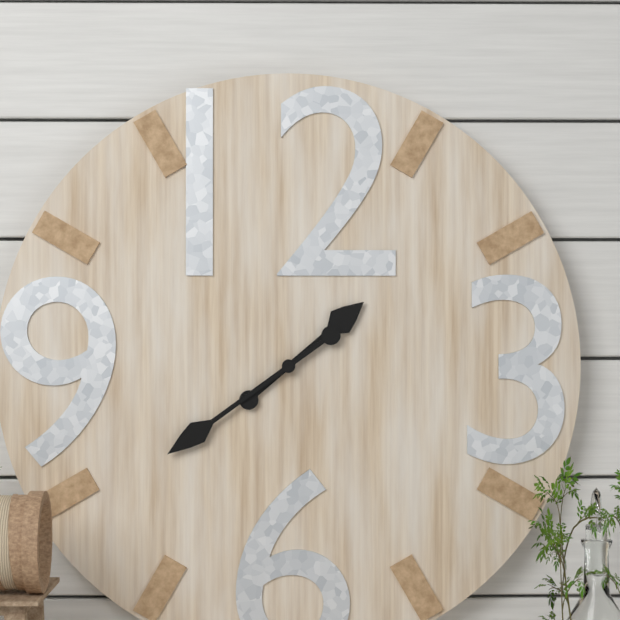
1.39
